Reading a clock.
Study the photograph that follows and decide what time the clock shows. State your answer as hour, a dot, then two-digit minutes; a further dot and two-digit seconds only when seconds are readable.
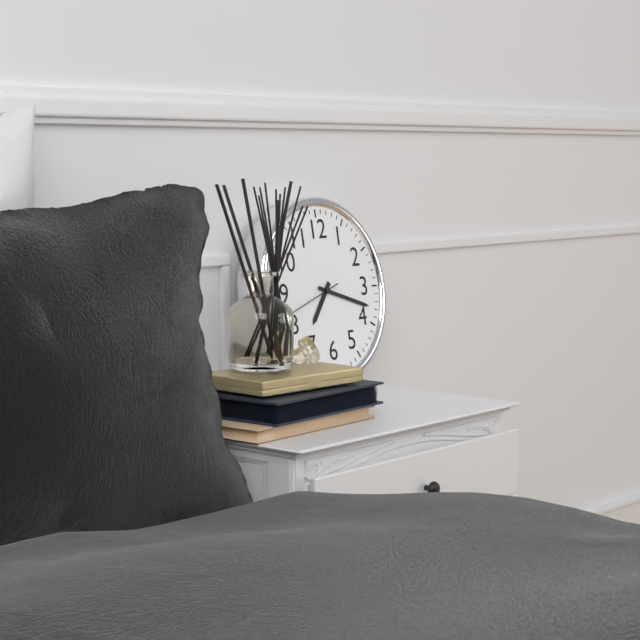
7.18.42
